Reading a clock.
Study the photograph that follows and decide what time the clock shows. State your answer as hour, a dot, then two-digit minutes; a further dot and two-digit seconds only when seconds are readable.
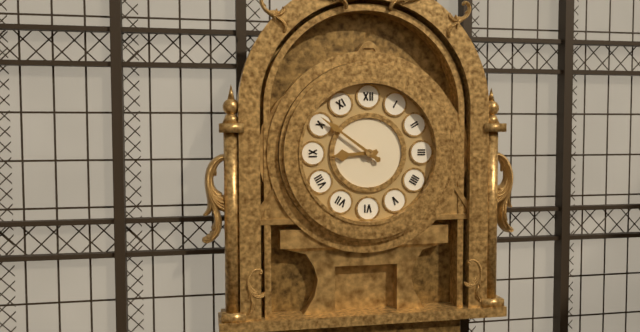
8.51
